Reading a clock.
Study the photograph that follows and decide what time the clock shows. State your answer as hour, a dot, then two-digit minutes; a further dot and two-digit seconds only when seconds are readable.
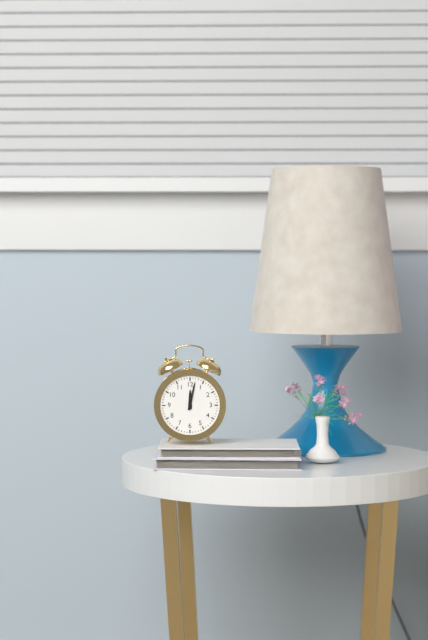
12.02
